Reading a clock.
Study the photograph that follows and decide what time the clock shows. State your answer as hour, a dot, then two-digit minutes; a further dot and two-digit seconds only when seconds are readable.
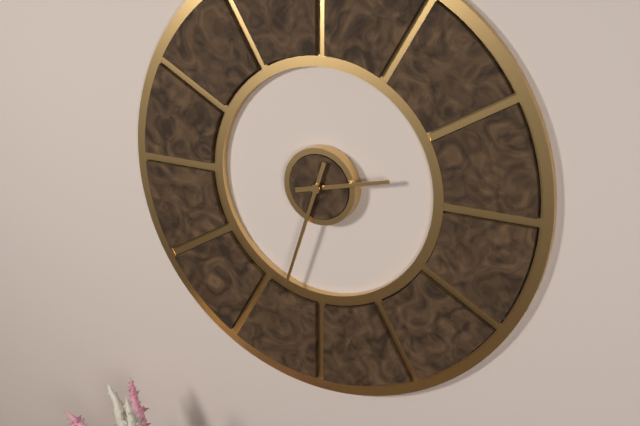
2.33
